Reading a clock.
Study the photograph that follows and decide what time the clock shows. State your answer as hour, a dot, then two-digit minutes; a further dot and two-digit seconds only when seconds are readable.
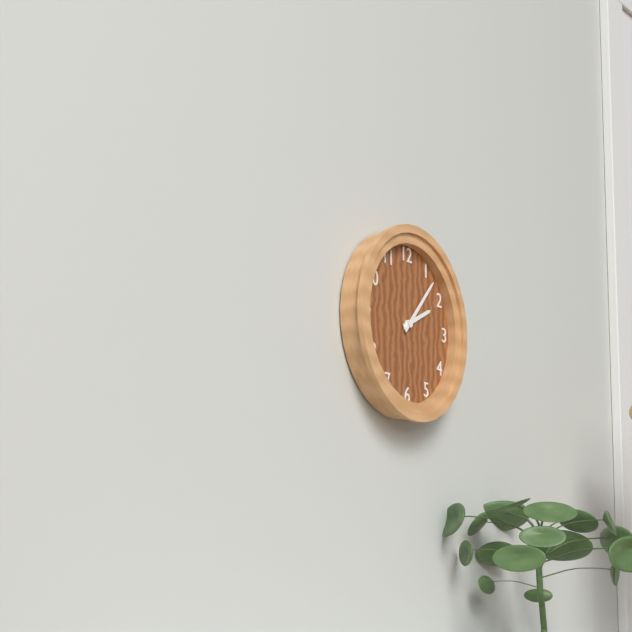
2.07
